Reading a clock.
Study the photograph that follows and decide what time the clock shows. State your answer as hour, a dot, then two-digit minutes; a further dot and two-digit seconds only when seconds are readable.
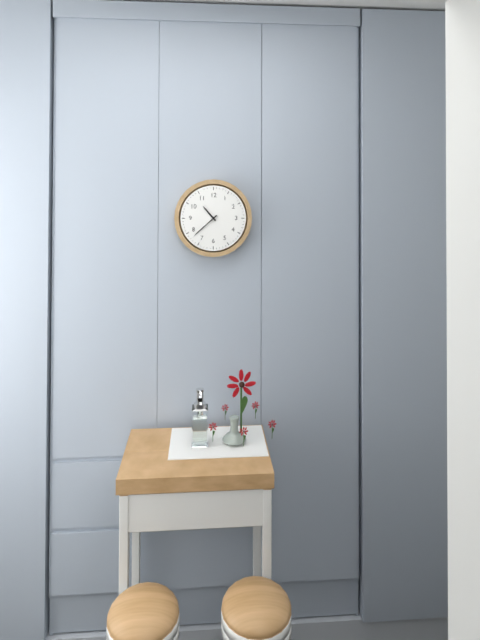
10.38
